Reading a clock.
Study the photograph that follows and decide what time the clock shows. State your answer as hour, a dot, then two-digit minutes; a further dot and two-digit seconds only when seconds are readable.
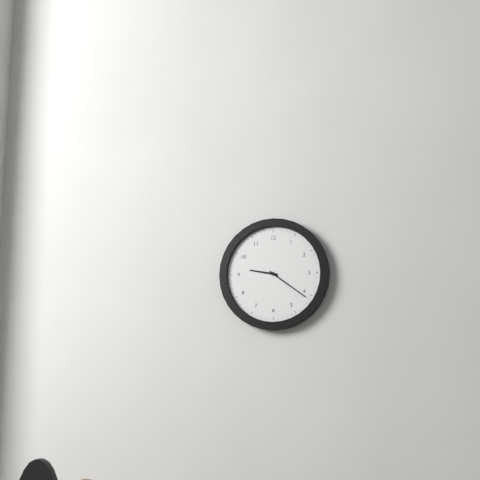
9.21
